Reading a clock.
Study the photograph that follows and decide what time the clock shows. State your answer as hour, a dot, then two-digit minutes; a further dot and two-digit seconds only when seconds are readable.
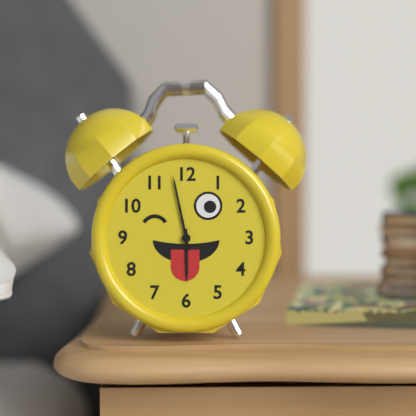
5.58
